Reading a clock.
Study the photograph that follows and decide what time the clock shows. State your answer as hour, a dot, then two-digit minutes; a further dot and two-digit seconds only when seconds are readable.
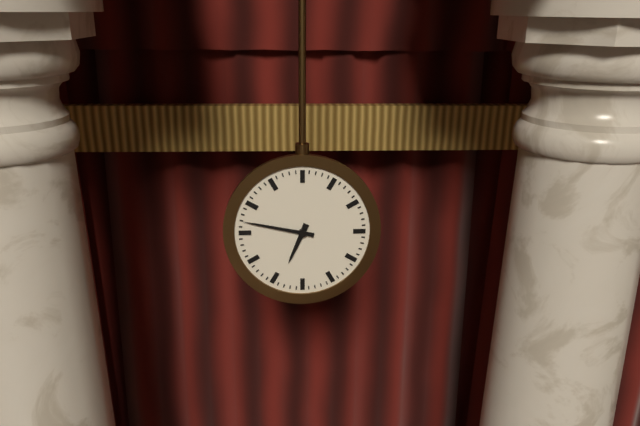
6.47
